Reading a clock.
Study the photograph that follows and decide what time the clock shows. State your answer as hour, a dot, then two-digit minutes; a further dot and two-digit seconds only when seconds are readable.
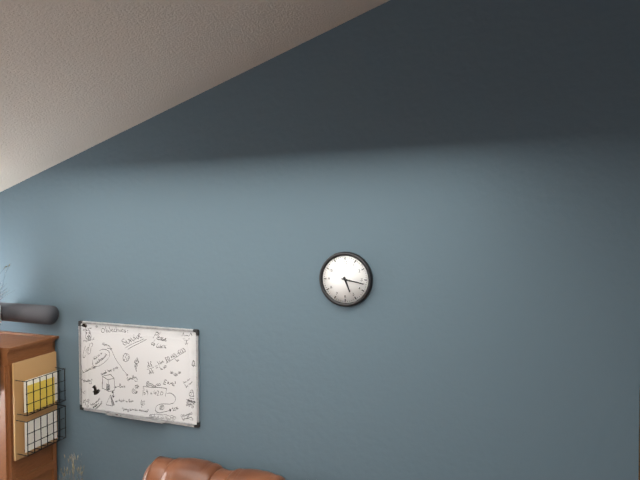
5.17
